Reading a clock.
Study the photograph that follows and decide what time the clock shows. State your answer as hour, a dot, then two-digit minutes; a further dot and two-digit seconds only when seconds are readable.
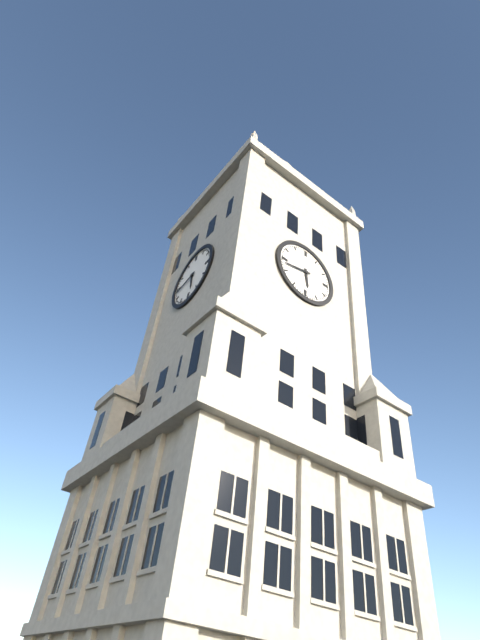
5.43
